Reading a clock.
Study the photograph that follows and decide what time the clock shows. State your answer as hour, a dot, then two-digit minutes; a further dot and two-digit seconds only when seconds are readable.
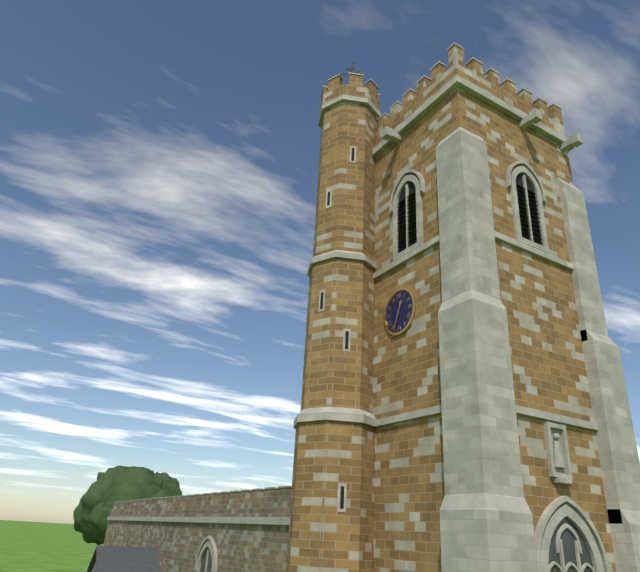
12.34
